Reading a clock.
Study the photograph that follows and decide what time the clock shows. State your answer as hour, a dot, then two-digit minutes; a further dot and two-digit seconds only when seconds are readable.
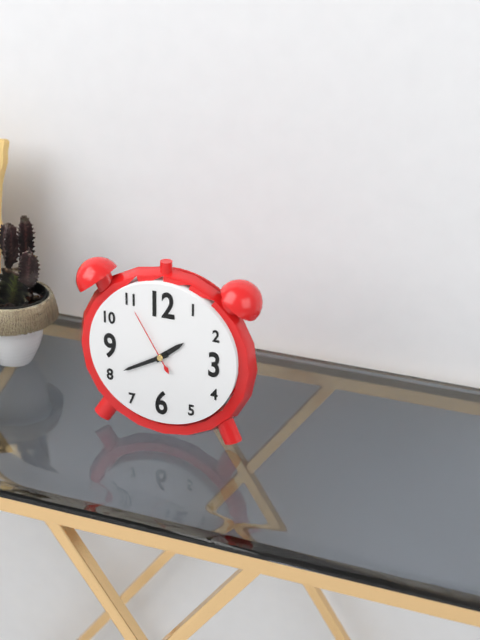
1.40.55
